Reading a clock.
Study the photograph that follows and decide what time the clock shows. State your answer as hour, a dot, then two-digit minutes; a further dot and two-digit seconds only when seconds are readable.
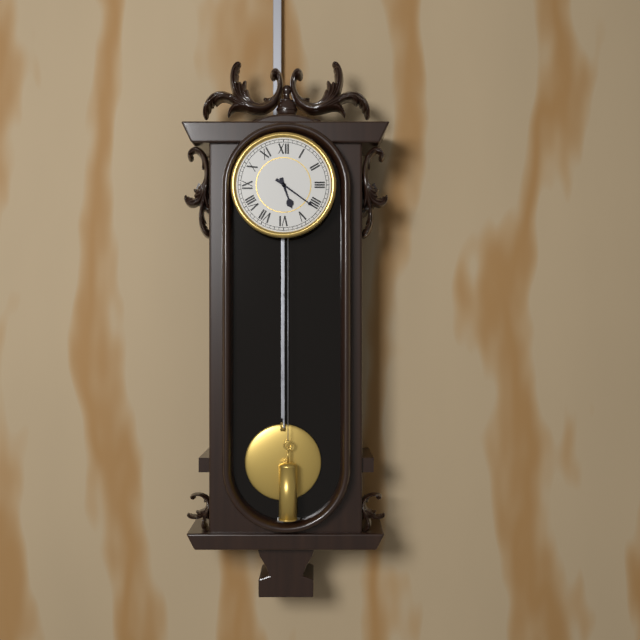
5.21
